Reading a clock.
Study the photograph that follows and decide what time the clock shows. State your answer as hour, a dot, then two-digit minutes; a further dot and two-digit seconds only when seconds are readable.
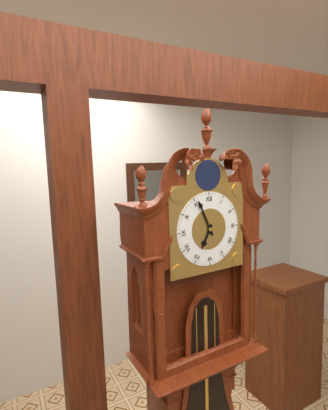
6.56
